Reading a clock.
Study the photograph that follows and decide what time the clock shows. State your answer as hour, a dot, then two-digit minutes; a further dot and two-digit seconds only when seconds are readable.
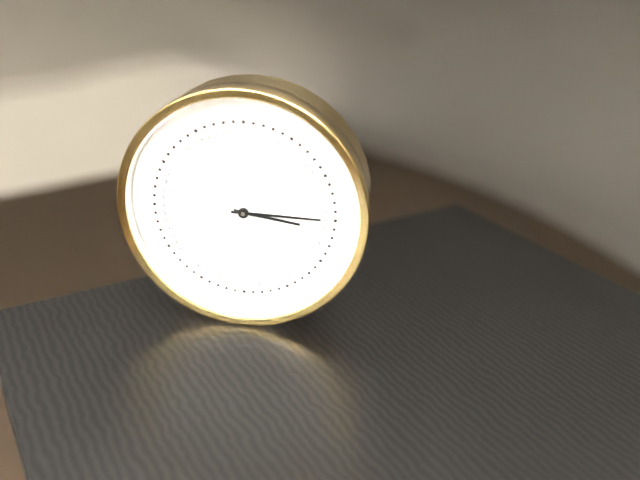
3.15
